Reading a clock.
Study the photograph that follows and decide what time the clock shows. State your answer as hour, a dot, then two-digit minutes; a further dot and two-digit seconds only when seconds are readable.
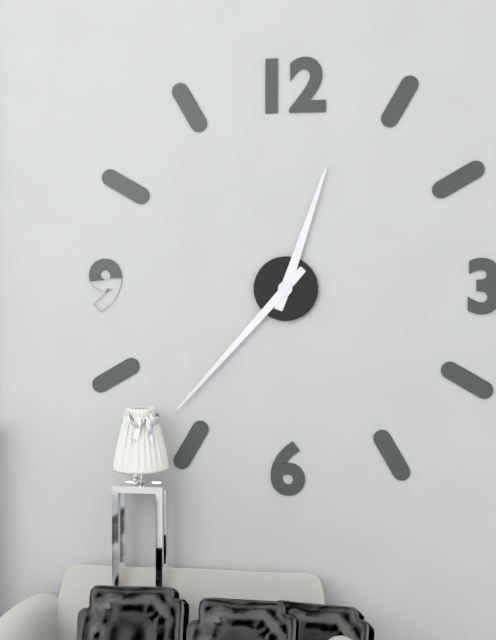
12.37
